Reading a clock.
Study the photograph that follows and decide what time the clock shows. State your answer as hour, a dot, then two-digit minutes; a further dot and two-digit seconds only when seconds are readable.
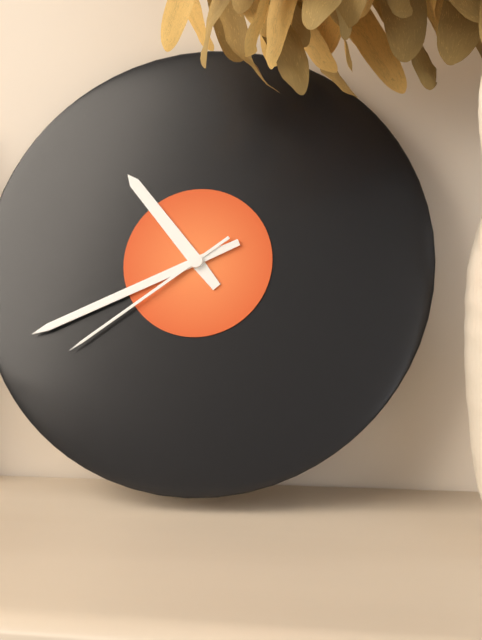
10.41.39
